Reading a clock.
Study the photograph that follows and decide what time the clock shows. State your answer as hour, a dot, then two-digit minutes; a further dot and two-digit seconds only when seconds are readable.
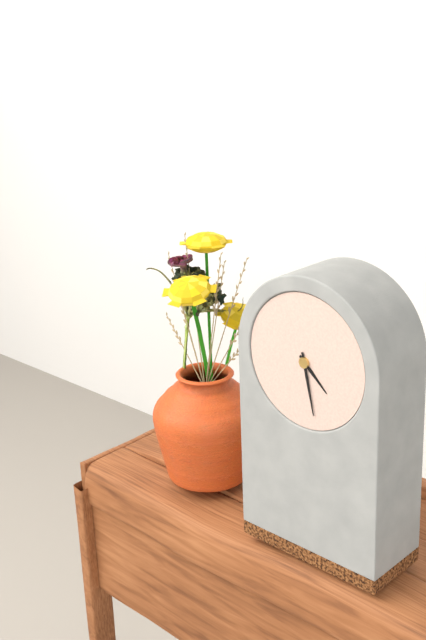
4.28
